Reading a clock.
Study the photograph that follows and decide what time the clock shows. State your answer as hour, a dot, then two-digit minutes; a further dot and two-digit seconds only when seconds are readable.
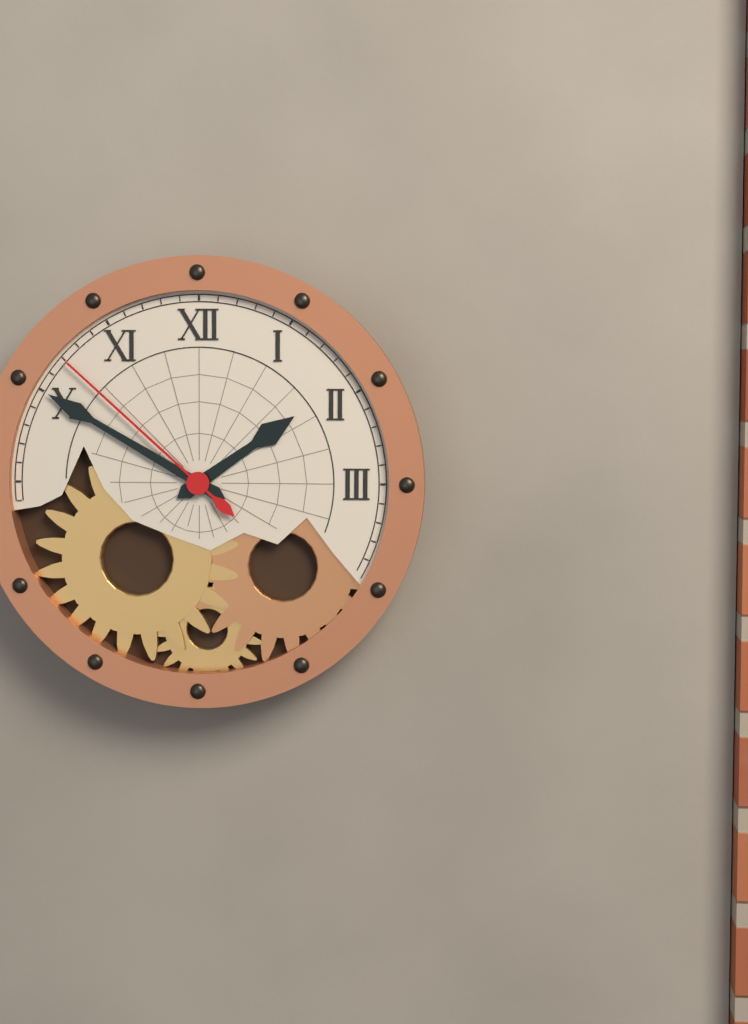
1.50.52
